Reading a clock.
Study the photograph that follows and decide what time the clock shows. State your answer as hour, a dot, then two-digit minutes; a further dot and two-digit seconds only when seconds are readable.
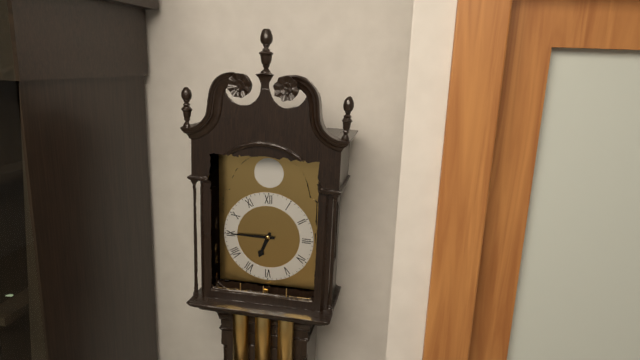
6.45
